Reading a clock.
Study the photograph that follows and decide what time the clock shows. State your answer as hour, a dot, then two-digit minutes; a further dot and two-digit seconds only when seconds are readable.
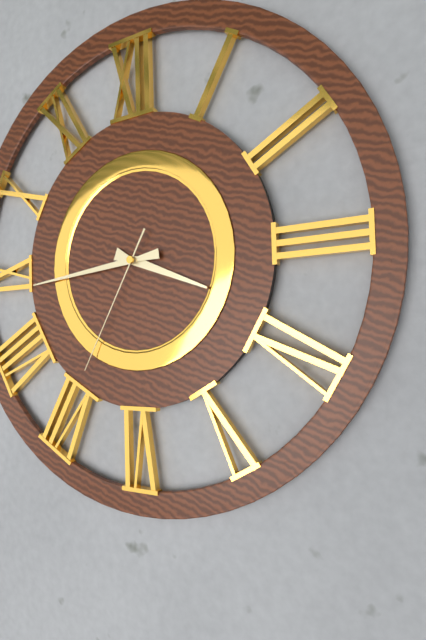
3.44.35
